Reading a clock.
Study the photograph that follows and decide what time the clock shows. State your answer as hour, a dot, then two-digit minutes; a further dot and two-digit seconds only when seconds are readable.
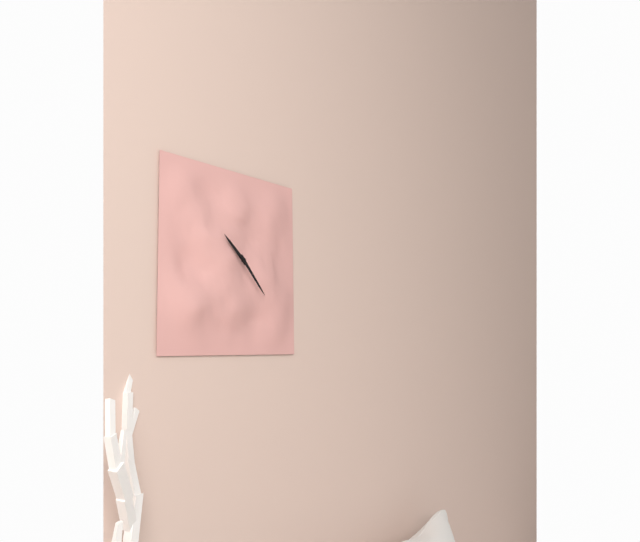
10.23
